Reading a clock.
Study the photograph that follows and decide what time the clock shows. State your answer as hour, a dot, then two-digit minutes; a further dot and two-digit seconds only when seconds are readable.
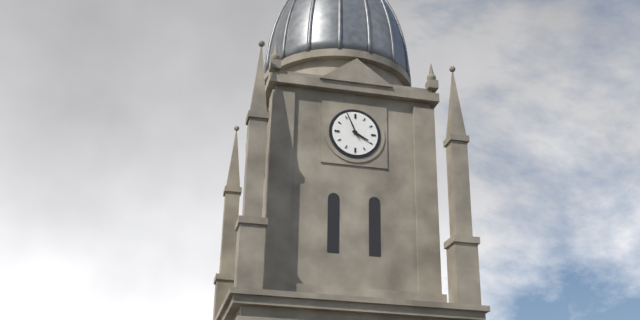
3.56
